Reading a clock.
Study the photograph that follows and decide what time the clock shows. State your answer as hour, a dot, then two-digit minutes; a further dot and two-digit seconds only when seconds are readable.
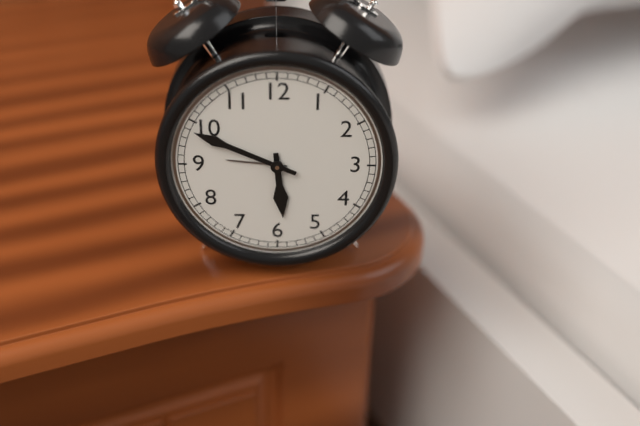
5.49
